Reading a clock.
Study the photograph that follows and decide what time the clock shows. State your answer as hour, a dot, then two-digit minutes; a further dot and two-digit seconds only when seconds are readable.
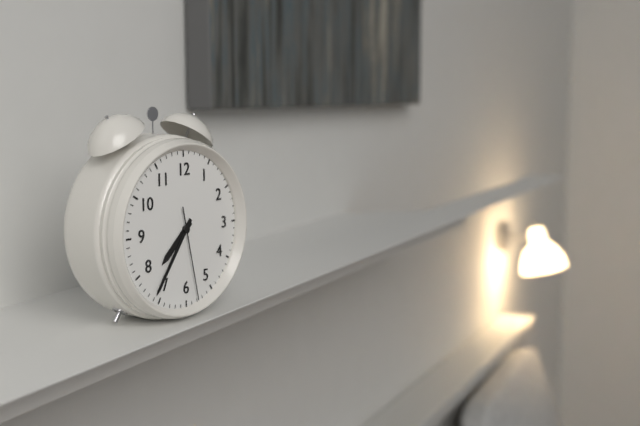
7.36.28
